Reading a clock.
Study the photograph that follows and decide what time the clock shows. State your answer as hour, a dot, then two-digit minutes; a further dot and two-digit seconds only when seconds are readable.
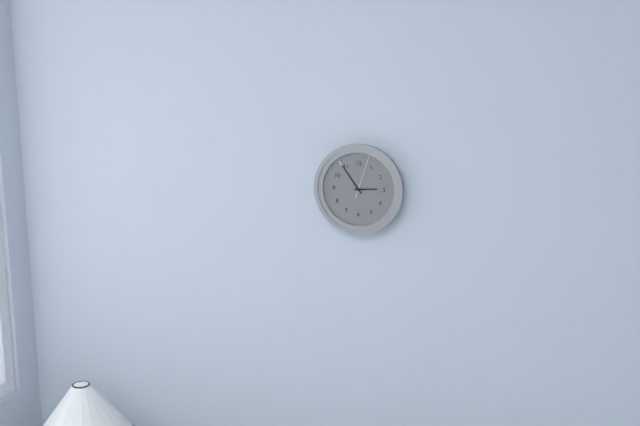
2.54
